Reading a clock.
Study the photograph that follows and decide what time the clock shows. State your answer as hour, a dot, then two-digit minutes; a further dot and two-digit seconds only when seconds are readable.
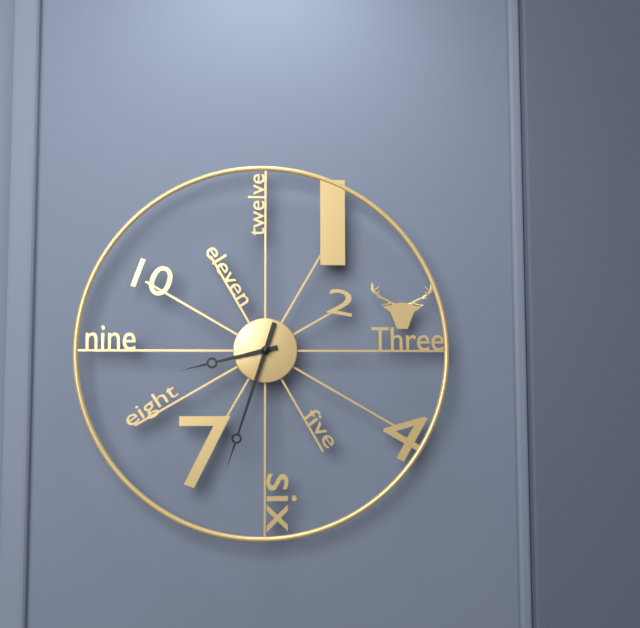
8.33
